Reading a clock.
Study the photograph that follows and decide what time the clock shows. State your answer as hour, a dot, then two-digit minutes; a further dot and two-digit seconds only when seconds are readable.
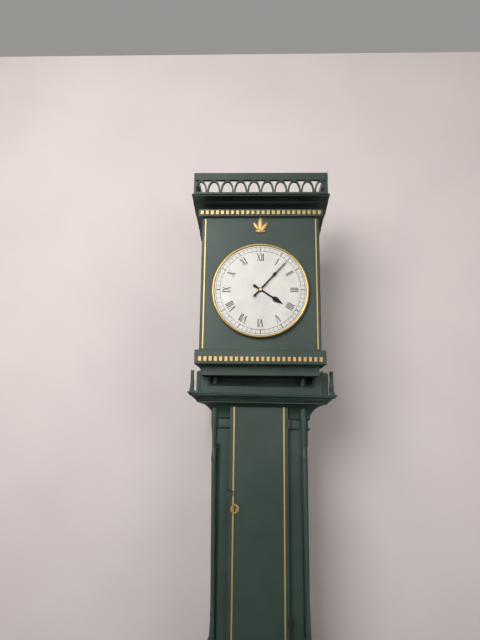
4.07
